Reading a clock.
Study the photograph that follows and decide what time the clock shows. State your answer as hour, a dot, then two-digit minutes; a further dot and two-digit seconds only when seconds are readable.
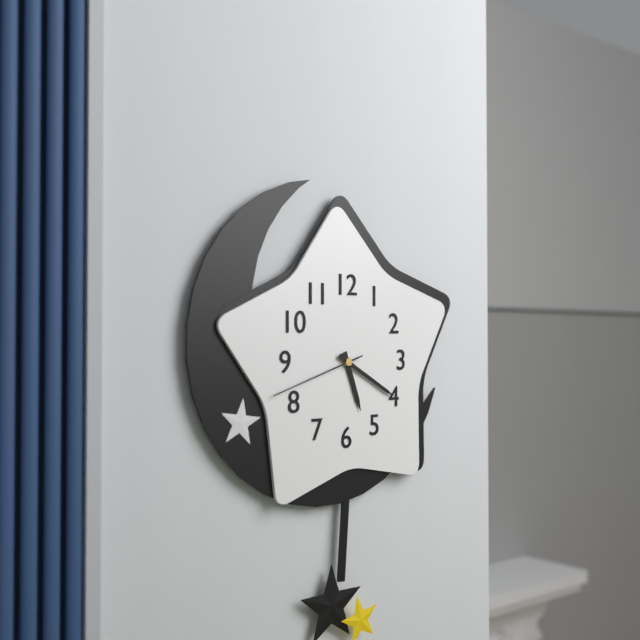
5.20.42
